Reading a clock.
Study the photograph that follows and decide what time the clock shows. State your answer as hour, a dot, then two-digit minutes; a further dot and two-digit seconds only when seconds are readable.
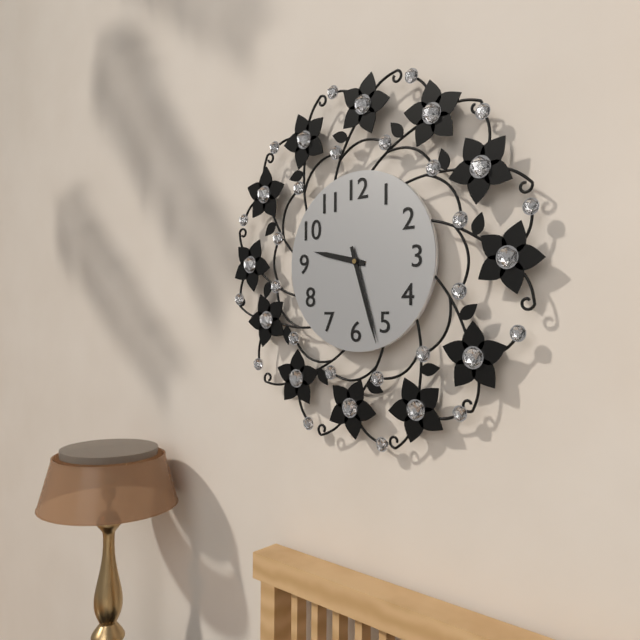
9.27
